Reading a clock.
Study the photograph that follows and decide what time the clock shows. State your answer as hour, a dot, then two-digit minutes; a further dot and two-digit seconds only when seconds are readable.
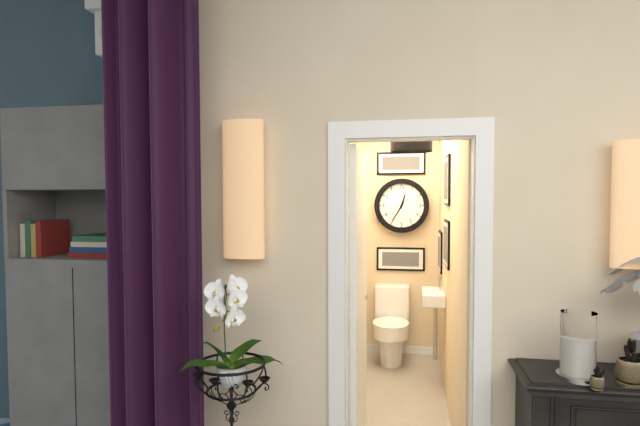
12.35
